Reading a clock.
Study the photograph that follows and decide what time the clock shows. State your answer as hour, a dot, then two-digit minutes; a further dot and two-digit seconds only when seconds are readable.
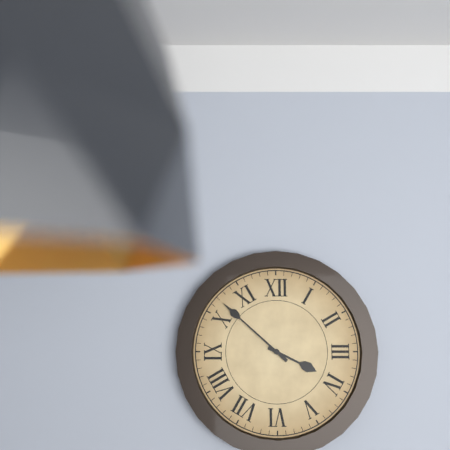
3.52
